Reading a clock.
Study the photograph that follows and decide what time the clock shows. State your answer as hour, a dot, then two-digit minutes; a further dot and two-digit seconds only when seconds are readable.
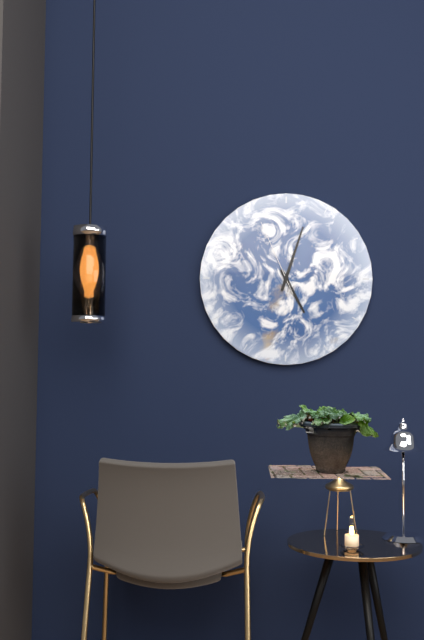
5.03.56
